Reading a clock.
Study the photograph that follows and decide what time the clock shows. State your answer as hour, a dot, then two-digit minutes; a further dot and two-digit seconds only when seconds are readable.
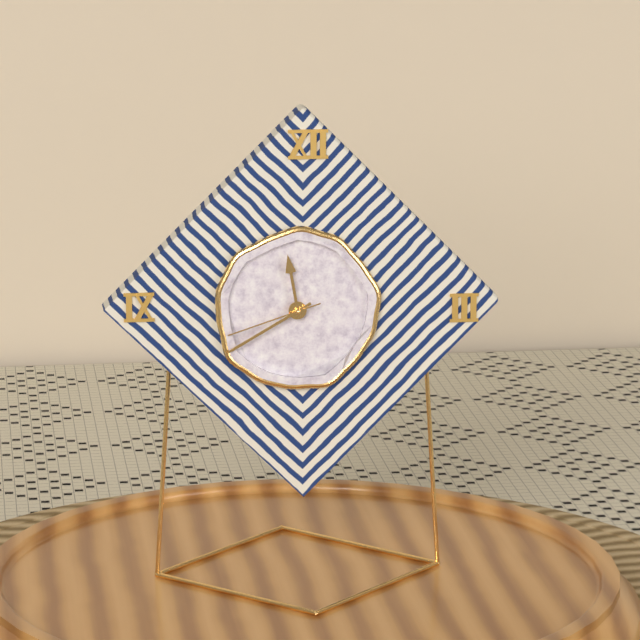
11.40.42
